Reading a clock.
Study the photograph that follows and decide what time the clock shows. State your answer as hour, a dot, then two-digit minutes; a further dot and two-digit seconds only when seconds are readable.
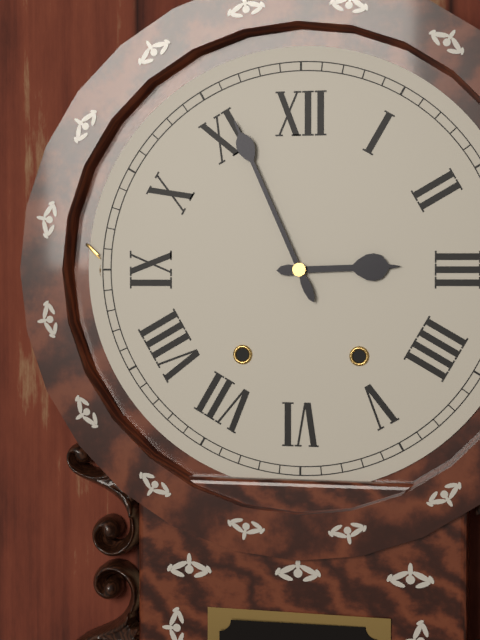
2.56
